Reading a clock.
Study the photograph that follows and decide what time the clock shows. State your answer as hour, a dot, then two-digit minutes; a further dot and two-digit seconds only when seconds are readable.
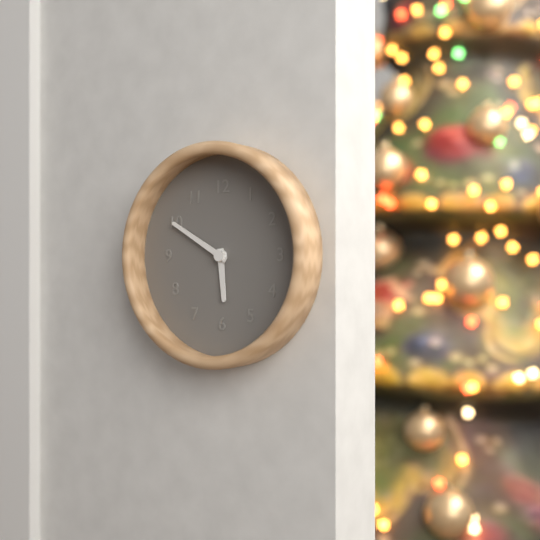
5.50
